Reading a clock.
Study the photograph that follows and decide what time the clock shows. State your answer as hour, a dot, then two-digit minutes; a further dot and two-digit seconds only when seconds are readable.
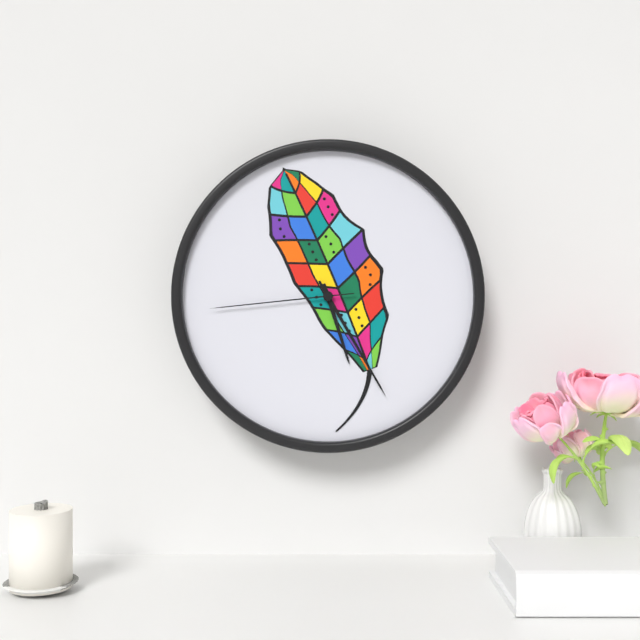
5.25.44
